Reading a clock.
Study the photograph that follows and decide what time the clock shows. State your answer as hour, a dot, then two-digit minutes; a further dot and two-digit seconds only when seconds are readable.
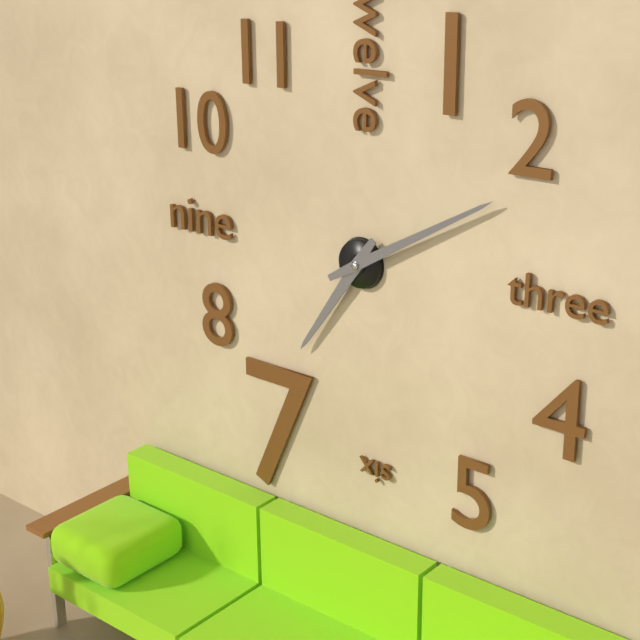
7.10
